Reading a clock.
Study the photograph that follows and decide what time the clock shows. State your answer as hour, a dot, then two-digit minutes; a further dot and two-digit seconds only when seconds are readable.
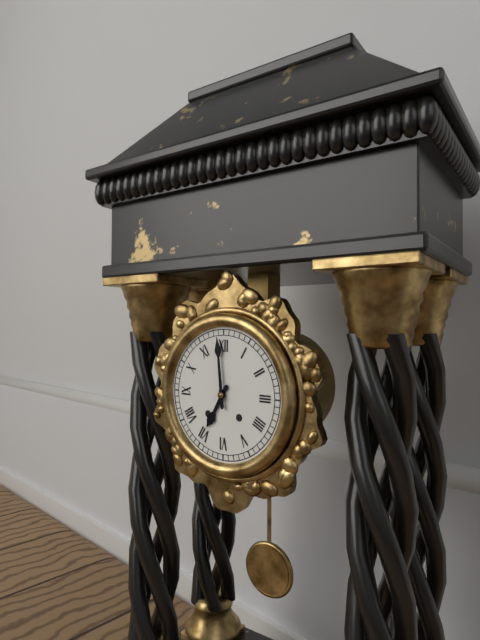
6.59
